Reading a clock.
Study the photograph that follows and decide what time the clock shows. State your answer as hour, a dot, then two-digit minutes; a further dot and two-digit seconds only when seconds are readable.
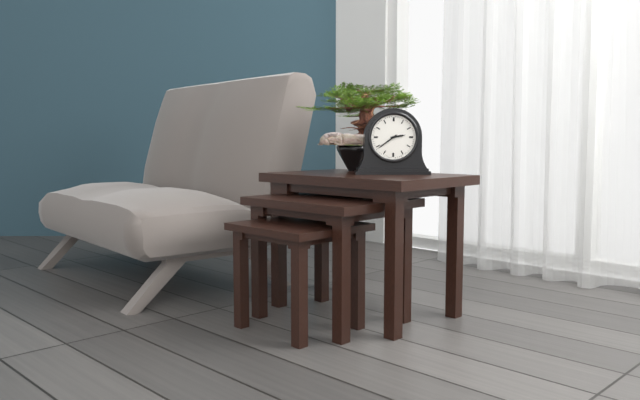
2.39
